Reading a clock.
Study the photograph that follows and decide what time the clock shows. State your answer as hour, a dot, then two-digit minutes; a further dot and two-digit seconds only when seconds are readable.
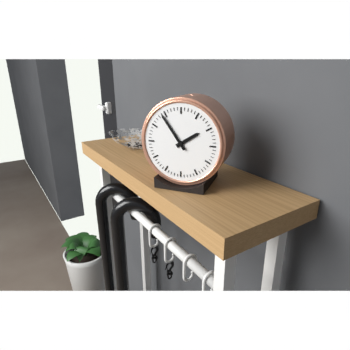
1.54
